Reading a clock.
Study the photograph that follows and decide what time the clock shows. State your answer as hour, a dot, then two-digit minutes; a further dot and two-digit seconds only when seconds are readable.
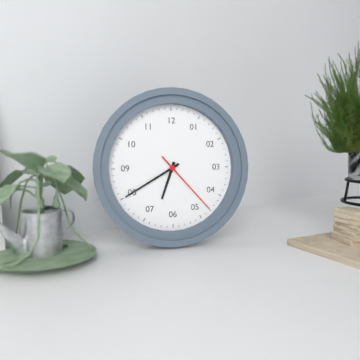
6.40.23
